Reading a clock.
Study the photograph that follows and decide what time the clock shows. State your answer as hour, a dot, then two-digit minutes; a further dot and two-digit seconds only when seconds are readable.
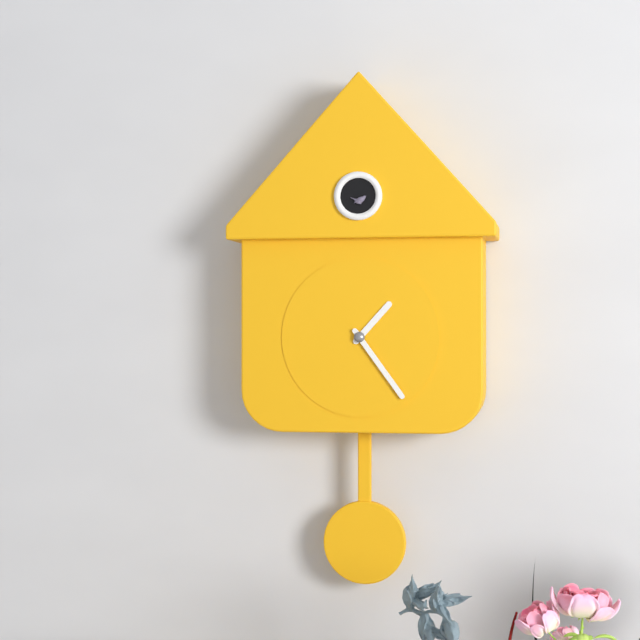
1.24
